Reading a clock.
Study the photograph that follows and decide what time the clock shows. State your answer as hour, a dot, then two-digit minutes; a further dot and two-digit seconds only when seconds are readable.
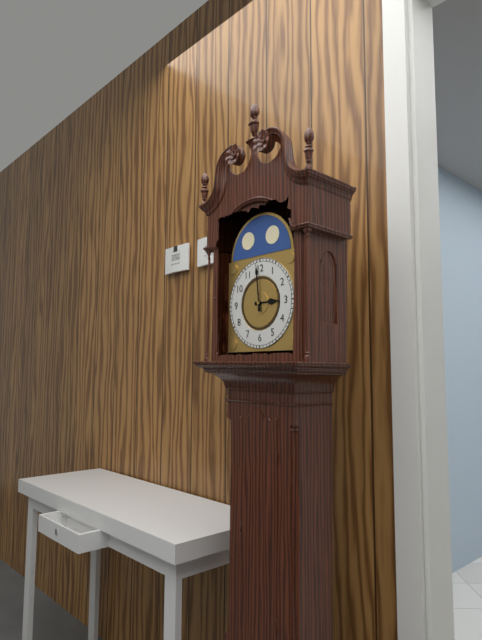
2.59
